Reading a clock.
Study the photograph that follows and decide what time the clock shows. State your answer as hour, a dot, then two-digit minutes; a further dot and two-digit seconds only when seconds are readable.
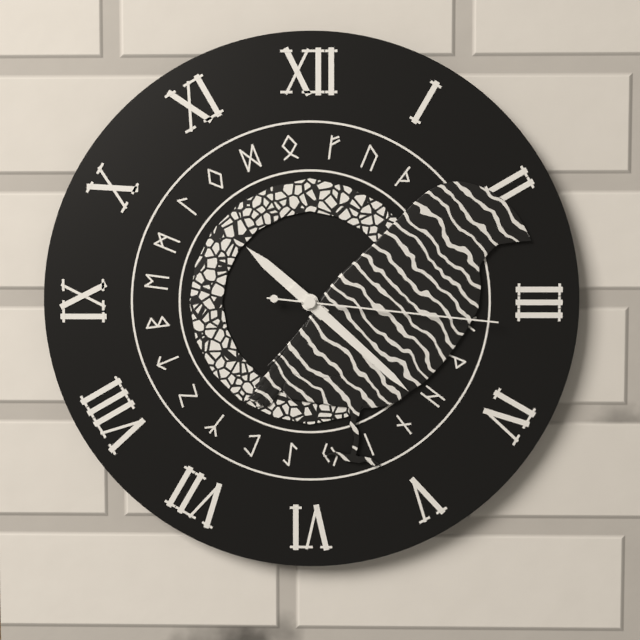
10.22.16
